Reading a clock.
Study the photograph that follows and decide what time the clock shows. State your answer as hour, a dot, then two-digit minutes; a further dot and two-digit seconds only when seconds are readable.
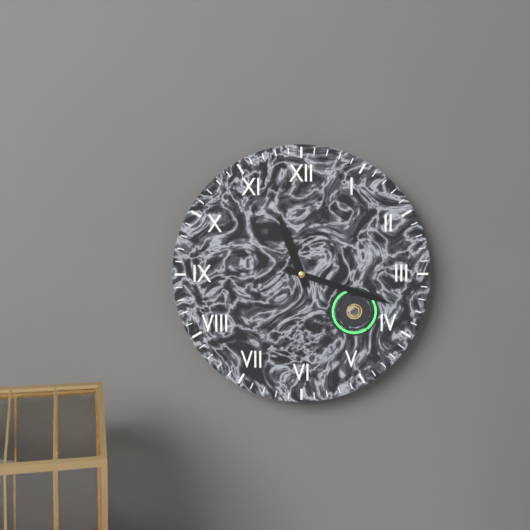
11.18
